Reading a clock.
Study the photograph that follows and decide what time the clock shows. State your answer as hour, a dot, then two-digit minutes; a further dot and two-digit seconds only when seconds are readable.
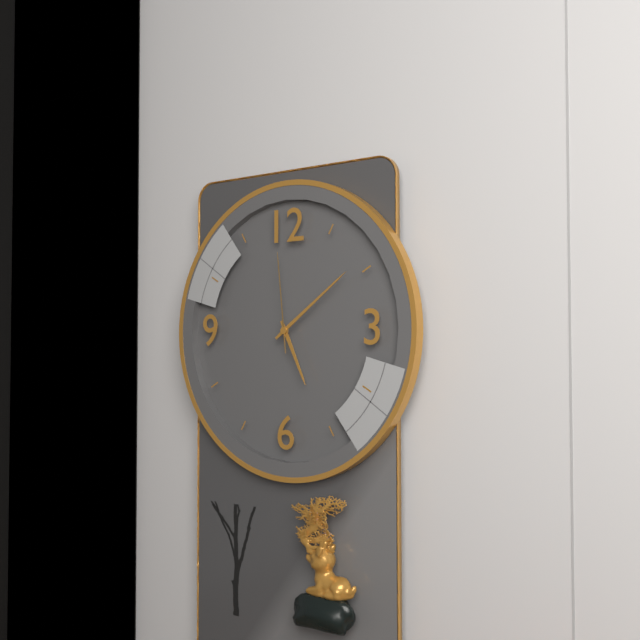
5.09.59
